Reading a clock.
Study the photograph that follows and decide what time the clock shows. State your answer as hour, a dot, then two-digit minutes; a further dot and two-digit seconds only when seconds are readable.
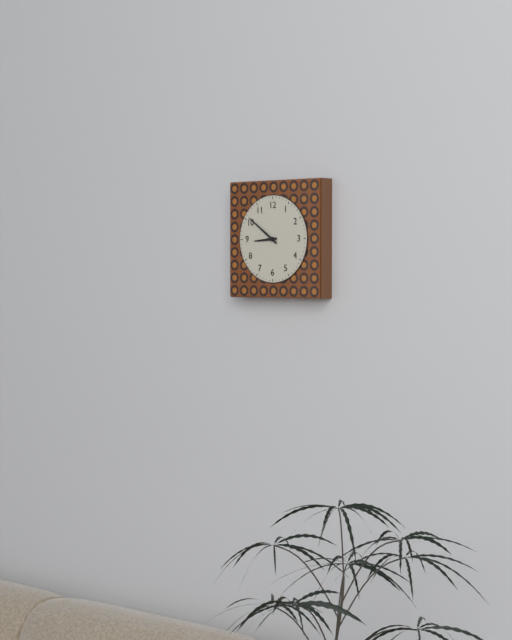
8.51
